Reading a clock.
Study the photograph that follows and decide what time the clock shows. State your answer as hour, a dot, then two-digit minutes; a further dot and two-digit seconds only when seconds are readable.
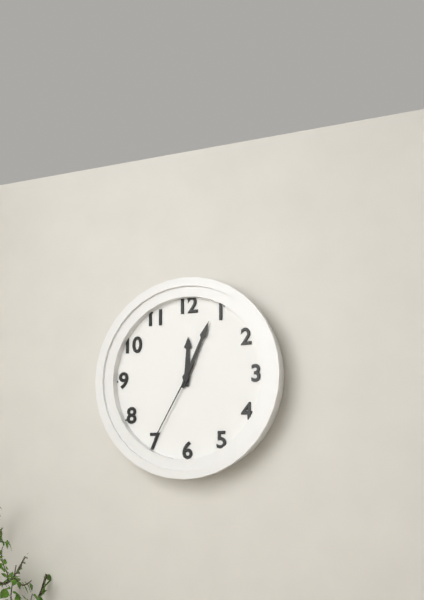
12.04.35
